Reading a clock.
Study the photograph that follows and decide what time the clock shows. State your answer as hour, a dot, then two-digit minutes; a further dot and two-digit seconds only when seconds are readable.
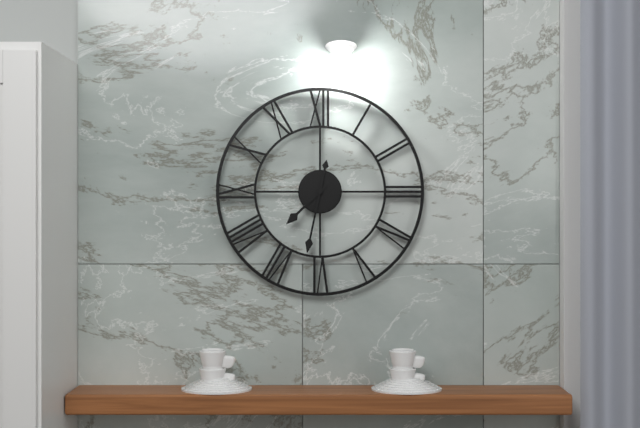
7.32
